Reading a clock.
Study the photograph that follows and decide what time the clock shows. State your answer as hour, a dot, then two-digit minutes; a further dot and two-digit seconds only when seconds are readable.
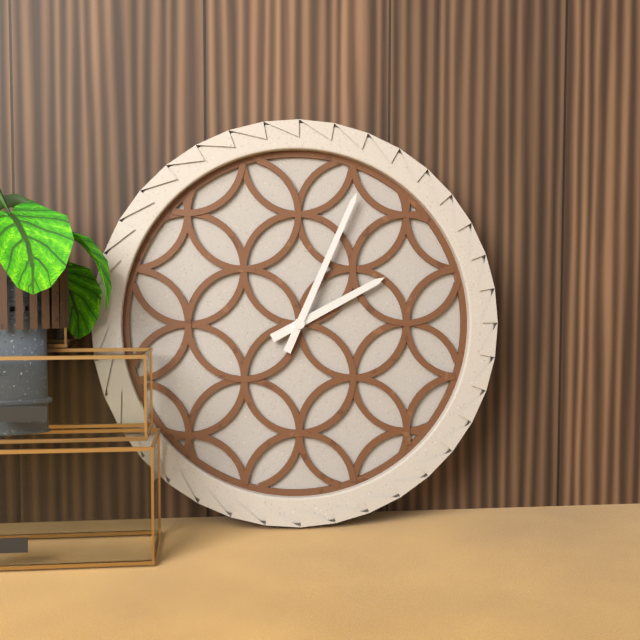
2.04
